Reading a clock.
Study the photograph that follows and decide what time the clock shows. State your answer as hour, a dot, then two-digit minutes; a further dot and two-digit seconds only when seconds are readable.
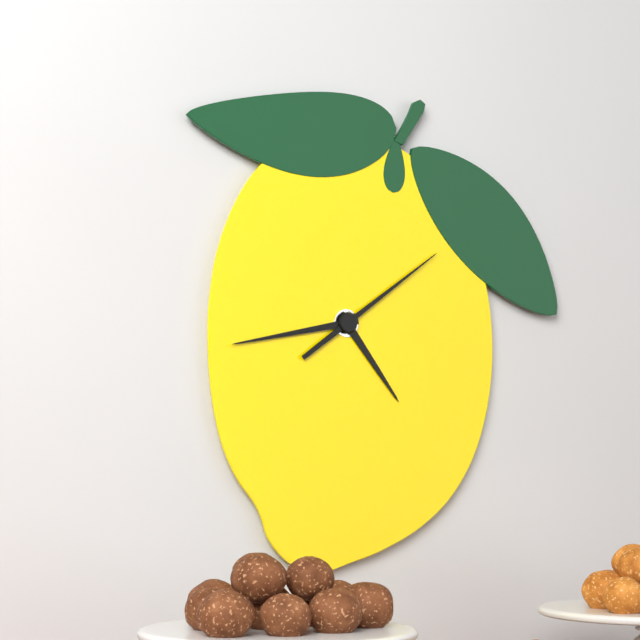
4.43.09
